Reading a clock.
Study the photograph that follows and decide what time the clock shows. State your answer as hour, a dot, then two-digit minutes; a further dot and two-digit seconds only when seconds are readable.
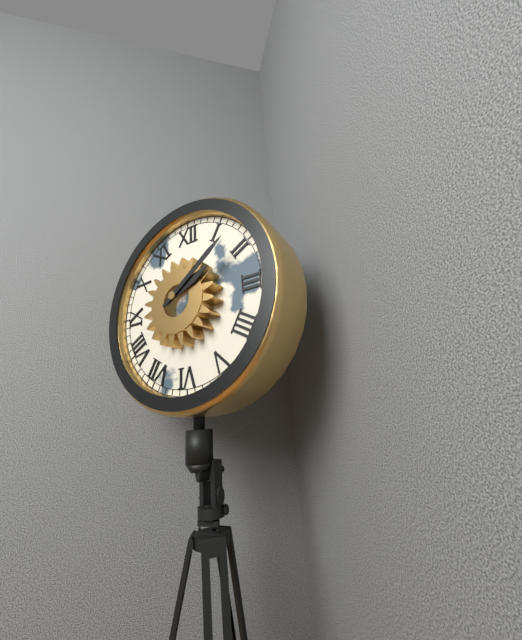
2.09
